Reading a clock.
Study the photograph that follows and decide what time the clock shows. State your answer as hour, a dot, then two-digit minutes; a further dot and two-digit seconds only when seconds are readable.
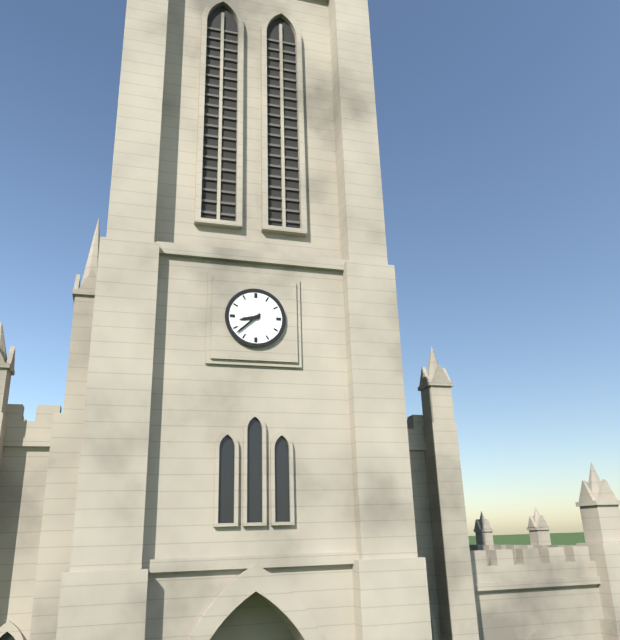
8.38
